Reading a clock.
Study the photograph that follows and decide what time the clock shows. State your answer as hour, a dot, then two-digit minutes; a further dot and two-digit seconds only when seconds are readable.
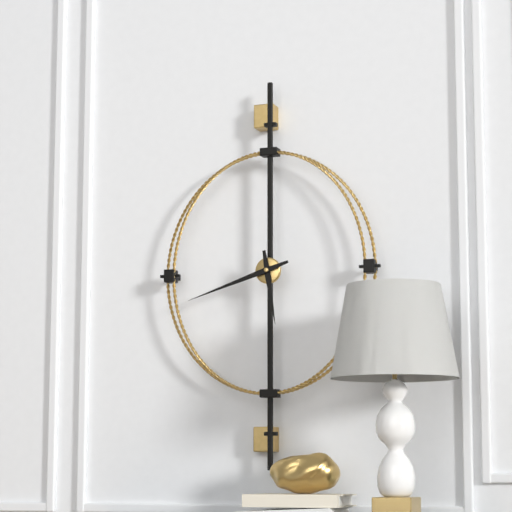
5.42
